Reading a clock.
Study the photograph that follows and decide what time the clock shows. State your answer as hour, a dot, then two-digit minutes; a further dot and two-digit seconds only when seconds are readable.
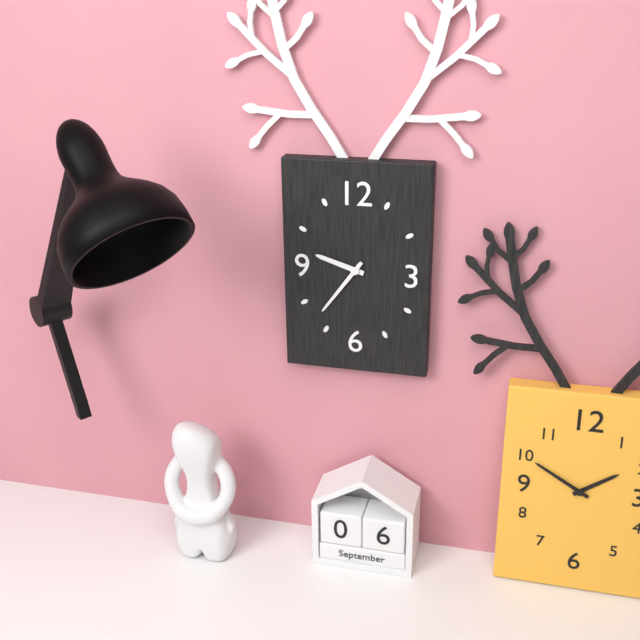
9.36
